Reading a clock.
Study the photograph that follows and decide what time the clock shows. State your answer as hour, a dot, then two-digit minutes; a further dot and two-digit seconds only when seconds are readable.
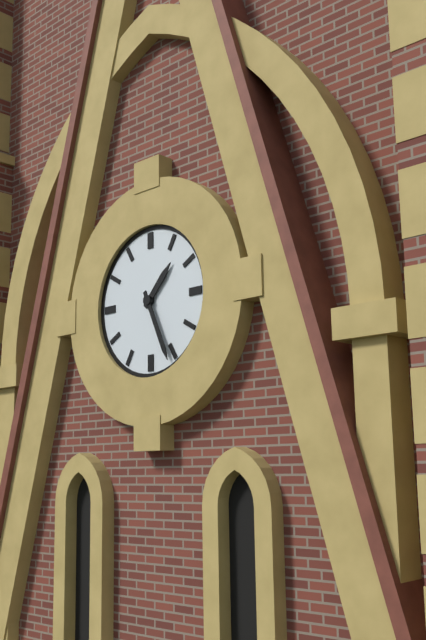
1.26
